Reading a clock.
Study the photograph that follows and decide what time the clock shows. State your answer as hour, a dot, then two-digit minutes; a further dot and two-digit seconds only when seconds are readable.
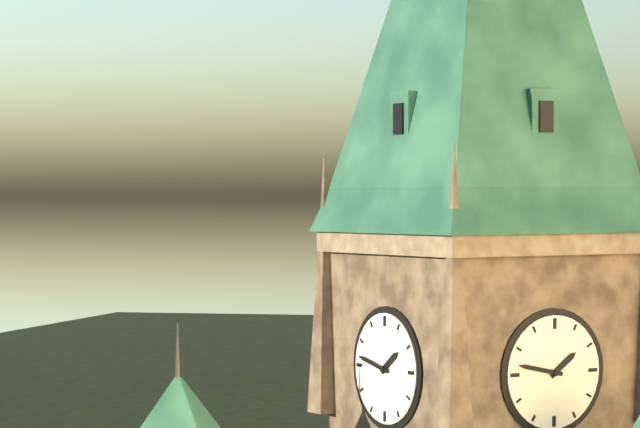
1.47
